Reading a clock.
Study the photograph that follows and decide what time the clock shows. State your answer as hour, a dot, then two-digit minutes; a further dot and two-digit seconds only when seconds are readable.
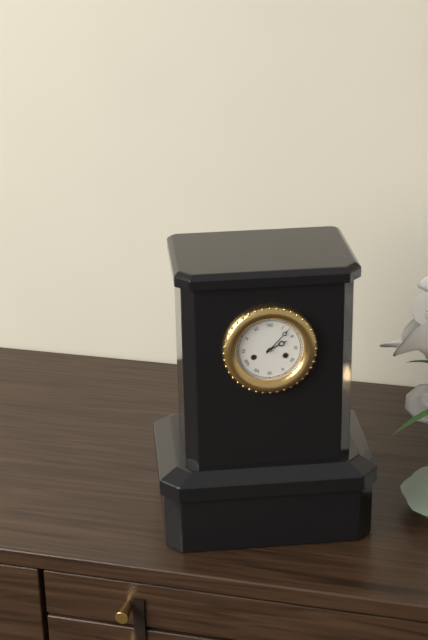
2.07
